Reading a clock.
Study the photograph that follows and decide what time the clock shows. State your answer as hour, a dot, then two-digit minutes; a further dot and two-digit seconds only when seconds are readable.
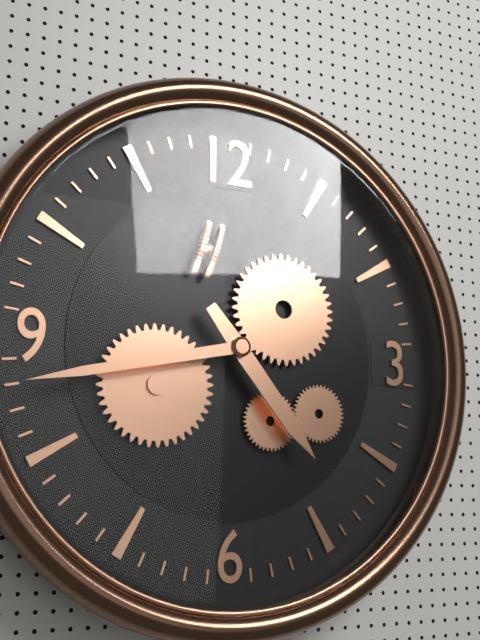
4.43
